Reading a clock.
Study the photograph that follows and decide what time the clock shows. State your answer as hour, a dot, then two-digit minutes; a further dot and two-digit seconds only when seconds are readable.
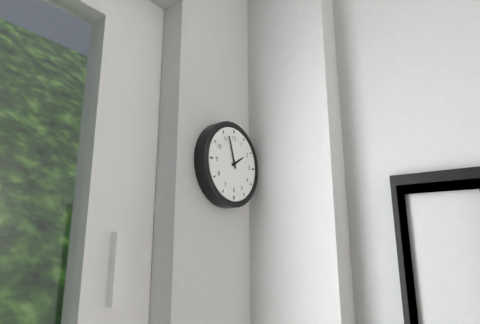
1.57
